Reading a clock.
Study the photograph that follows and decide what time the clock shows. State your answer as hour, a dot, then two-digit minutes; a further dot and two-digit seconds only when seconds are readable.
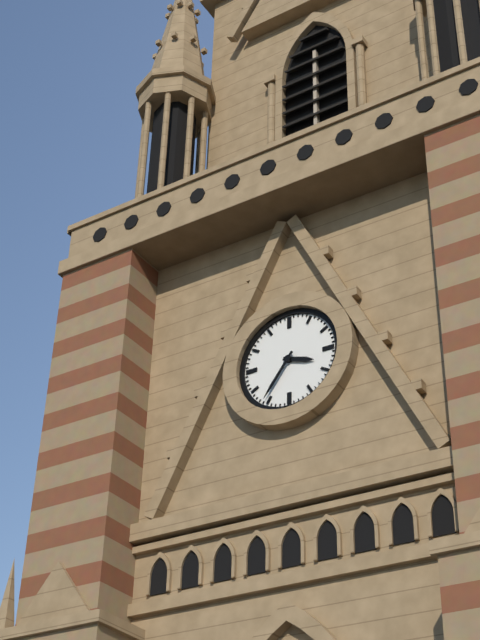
3.36
